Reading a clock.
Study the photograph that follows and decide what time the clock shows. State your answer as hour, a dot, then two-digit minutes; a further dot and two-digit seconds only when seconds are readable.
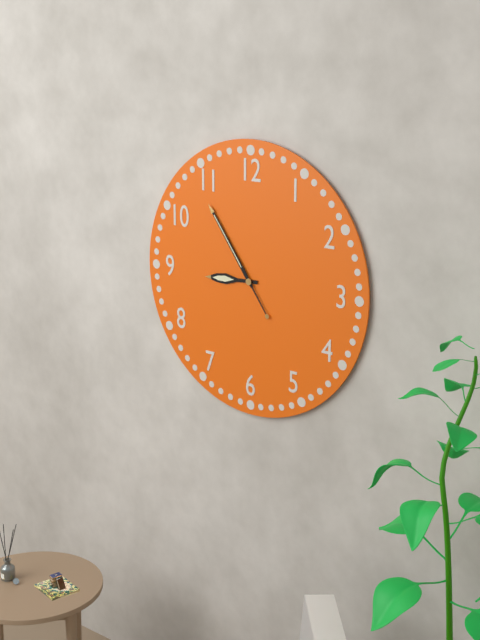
8.54
